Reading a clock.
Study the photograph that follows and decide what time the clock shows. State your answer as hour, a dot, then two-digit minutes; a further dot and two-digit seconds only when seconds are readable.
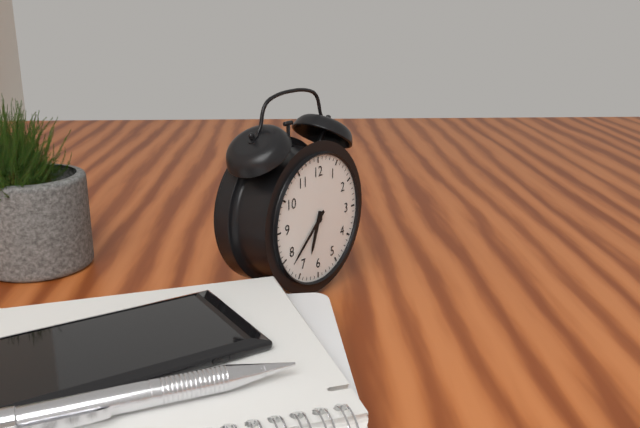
6.38
